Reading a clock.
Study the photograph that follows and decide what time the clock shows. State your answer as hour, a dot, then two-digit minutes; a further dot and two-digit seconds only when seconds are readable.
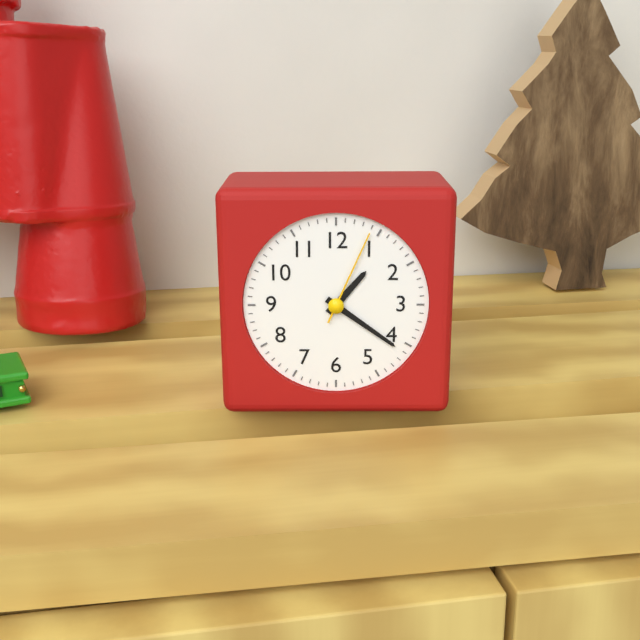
1.21.04
